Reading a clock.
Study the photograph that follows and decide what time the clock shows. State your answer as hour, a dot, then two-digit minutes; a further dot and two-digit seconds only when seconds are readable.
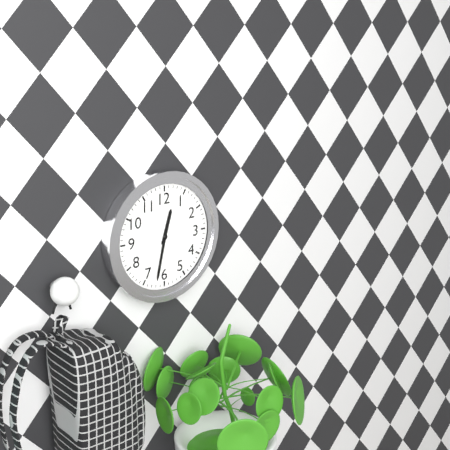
12.32
